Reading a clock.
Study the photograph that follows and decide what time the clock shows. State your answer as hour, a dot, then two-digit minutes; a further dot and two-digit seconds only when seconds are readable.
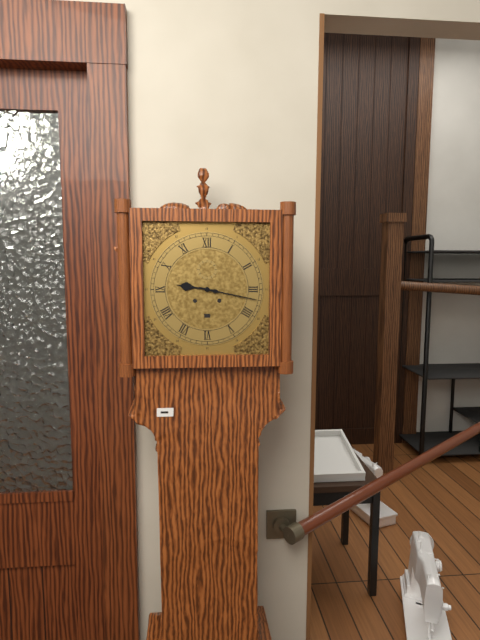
9.17
